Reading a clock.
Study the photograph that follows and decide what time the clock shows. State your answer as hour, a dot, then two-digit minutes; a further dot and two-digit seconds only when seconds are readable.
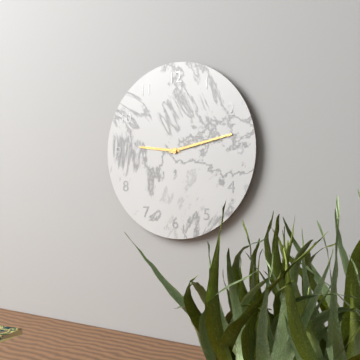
9.13
